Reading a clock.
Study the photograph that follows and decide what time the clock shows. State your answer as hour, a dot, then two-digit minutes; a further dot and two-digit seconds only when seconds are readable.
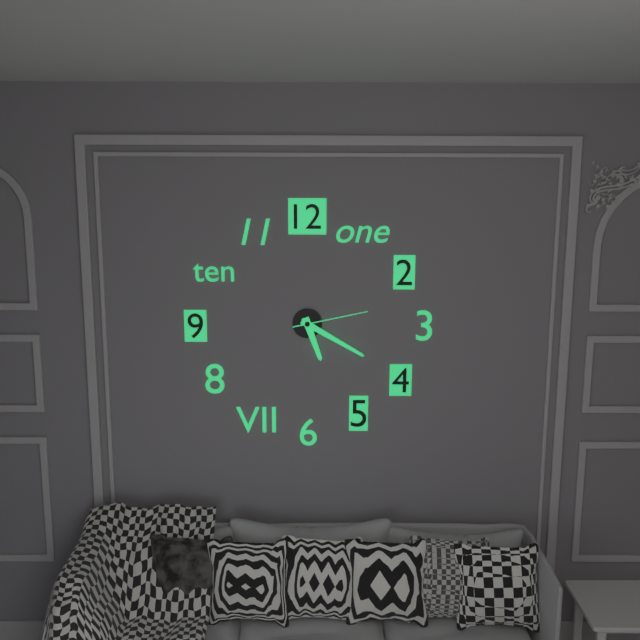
5.20.13
